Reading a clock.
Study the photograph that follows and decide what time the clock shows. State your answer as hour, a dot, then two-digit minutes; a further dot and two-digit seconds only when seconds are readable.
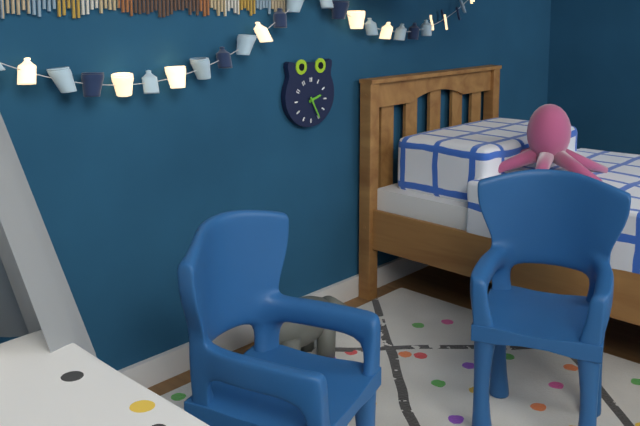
2.25
